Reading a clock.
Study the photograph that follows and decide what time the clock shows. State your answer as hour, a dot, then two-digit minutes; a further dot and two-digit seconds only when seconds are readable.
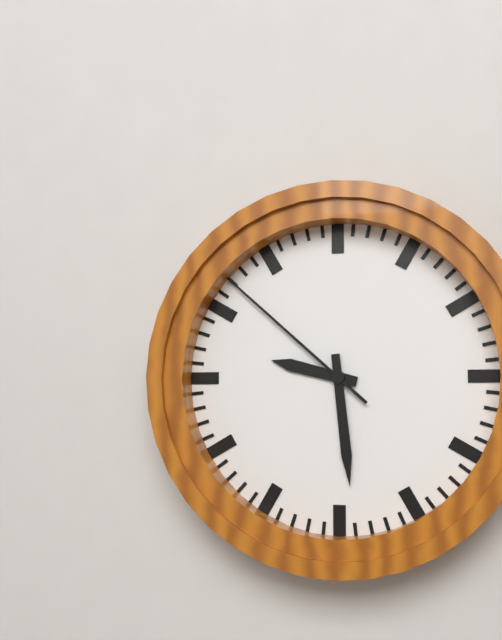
9.29.52
